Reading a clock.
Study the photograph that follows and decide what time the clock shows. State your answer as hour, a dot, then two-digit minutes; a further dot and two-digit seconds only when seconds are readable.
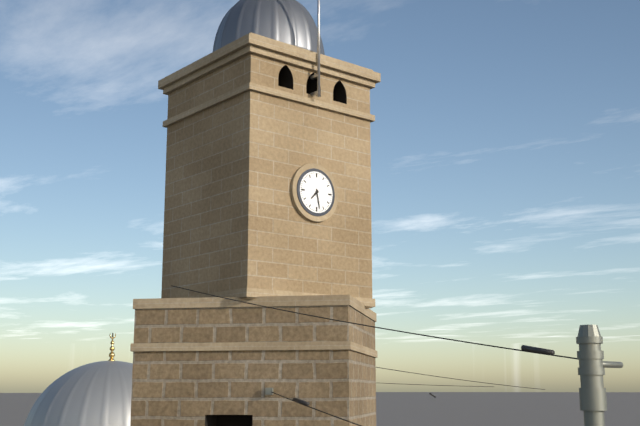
7.28
